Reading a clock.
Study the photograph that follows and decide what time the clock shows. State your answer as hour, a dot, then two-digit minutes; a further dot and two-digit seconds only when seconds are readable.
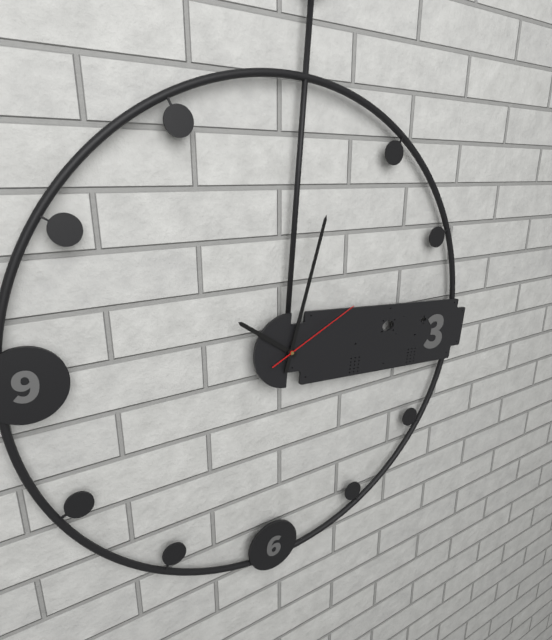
10.02.10
